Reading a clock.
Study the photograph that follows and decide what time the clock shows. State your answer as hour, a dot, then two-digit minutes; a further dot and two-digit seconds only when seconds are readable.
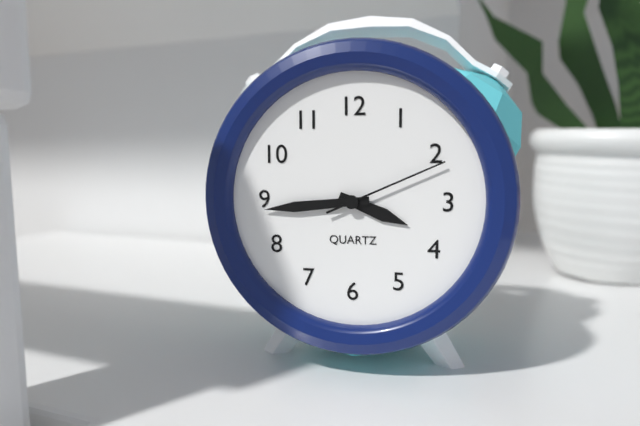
3.44.11
